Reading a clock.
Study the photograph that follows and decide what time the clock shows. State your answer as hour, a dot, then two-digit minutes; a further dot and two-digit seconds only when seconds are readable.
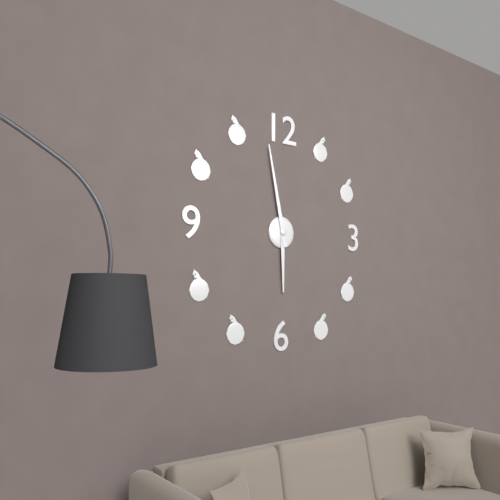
5.58
